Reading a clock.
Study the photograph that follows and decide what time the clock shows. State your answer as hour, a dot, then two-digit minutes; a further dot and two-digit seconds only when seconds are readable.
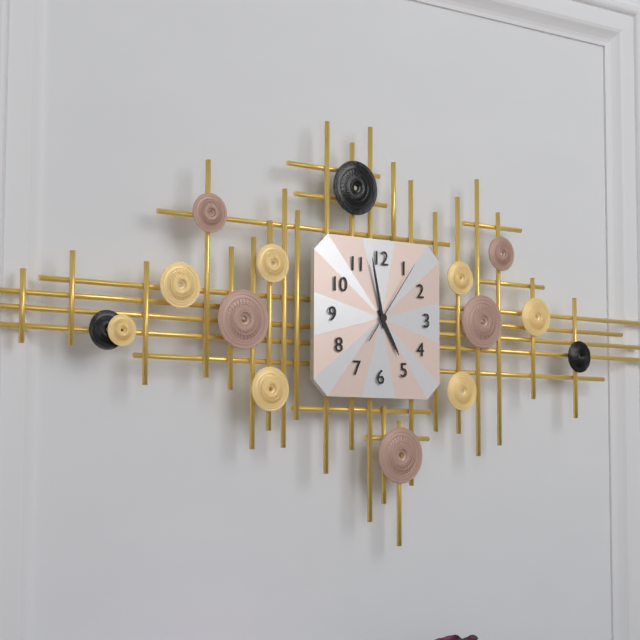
4.58.06
